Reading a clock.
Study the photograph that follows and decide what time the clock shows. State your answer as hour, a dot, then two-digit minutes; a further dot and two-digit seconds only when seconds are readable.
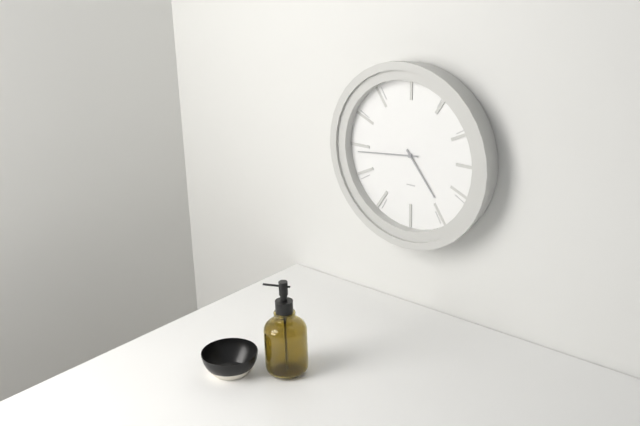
4.44
